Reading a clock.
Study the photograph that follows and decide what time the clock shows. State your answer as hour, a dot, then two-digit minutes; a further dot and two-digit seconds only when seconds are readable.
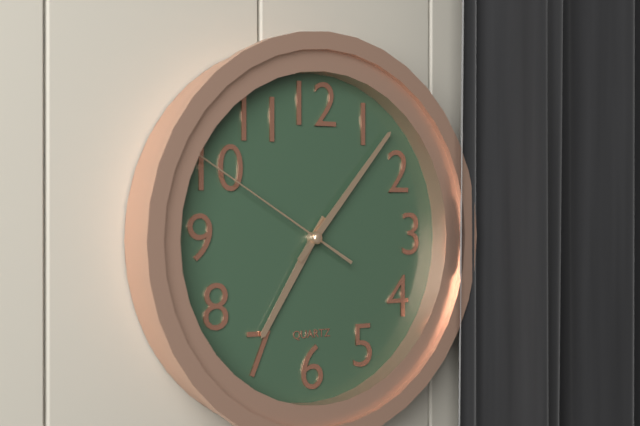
7.07.50
